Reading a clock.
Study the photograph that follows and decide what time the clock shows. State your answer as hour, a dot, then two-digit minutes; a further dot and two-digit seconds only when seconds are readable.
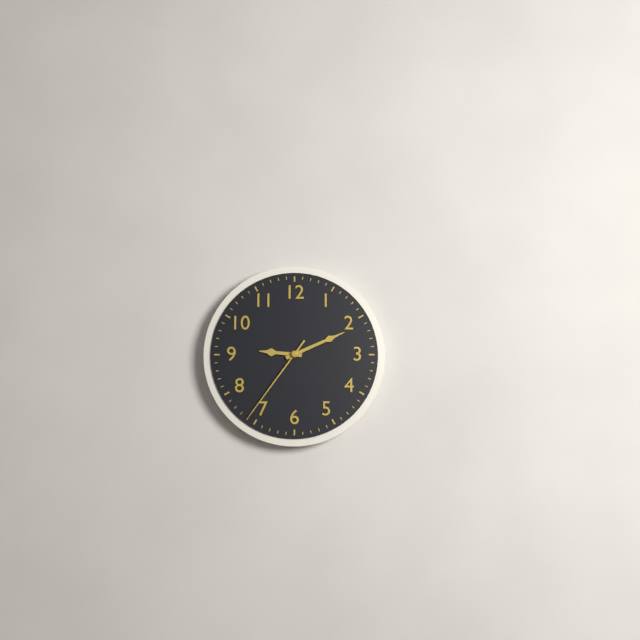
9.11.36
